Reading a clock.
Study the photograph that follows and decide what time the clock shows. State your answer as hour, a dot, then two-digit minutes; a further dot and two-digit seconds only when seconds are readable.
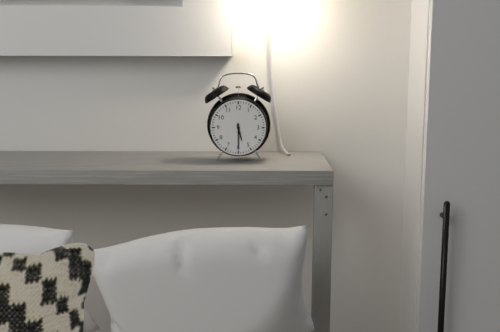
5.30
